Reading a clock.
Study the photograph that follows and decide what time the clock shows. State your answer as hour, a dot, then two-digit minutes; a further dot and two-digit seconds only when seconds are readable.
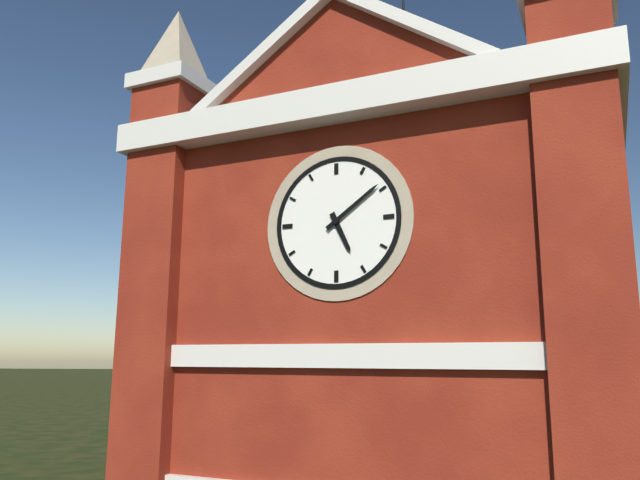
5.09
